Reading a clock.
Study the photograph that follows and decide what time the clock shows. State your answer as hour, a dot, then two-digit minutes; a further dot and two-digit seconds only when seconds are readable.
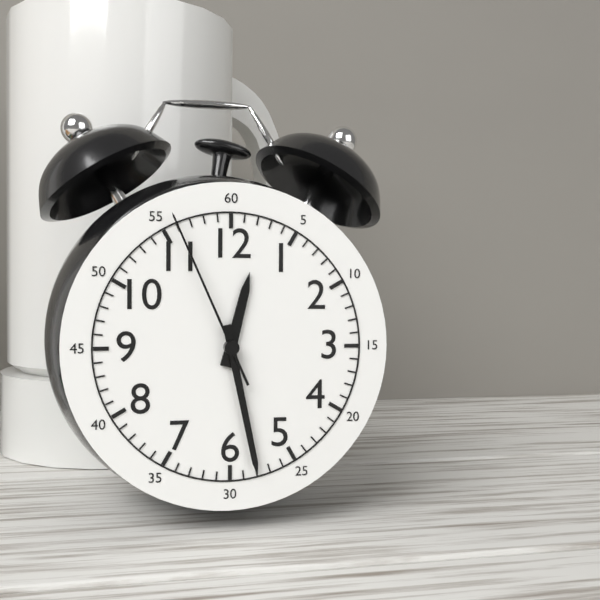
12.28.56
